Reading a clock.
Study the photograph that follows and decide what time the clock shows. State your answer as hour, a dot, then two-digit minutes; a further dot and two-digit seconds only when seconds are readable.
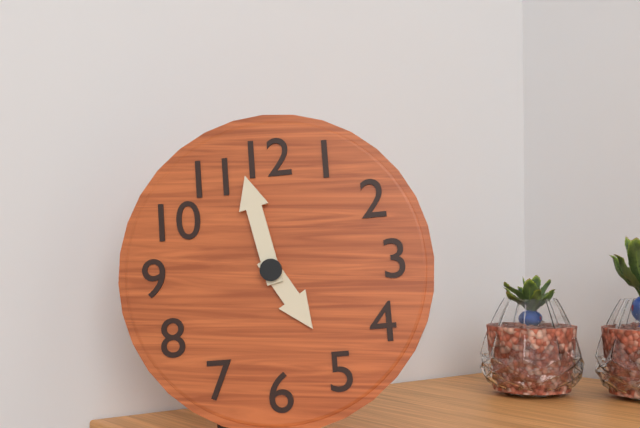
4.58
